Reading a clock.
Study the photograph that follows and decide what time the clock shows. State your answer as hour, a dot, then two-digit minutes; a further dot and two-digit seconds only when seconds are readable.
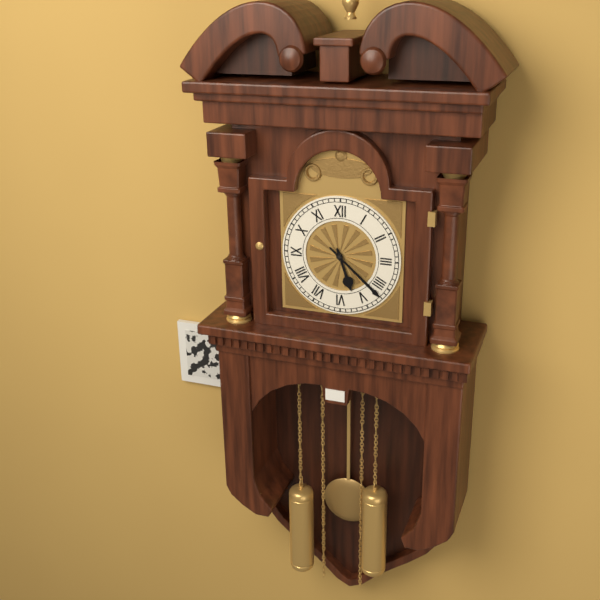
5.22
